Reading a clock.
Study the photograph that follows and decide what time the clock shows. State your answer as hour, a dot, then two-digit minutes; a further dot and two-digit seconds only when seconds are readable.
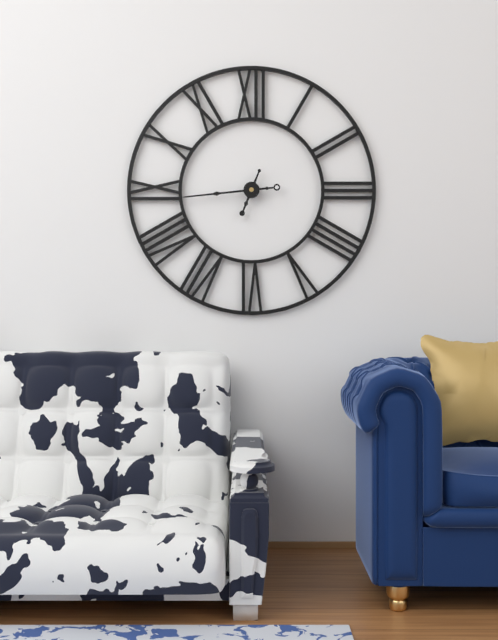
6.44
